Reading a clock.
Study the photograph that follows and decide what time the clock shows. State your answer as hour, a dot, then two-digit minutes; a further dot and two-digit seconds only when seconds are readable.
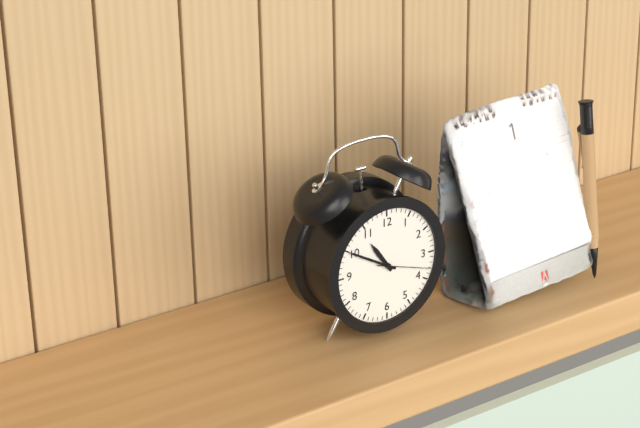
10.50.18
